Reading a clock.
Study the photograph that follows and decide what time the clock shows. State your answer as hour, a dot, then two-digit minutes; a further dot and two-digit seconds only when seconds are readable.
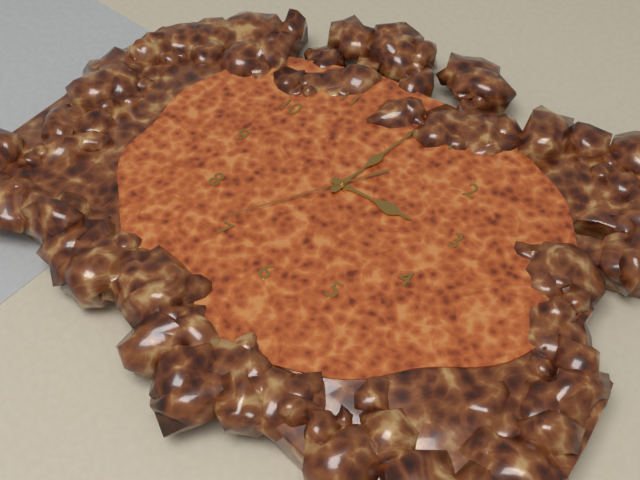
3.02.36
